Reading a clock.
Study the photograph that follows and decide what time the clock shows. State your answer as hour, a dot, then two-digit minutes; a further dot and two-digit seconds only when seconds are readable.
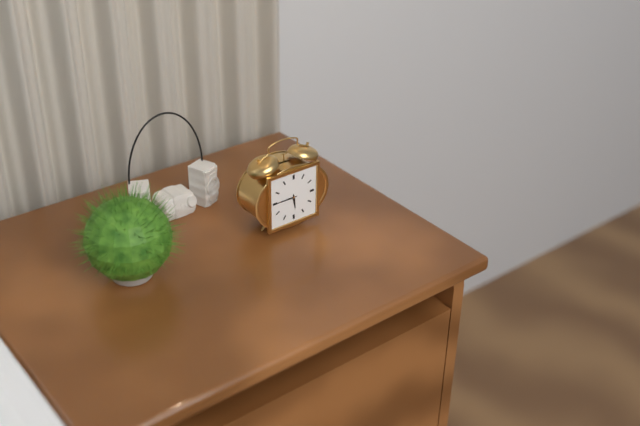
5.45
